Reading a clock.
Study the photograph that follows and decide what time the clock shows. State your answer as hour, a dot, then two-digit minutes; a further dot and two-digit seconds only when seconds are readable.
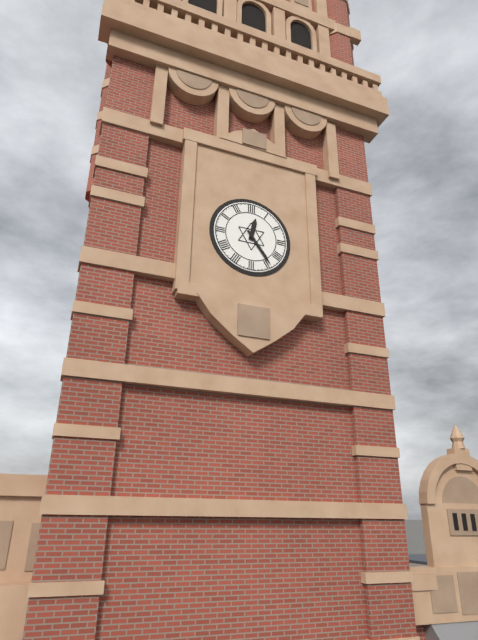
12.24
